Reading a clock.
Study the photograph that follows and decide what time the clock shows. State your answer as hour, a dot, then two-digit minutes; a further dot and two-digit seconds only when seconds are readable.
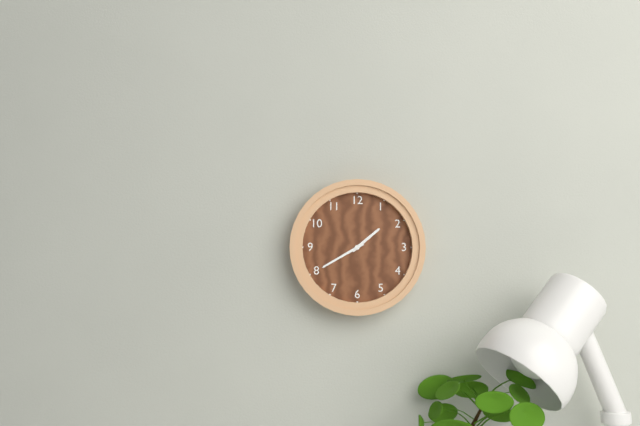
1.40
